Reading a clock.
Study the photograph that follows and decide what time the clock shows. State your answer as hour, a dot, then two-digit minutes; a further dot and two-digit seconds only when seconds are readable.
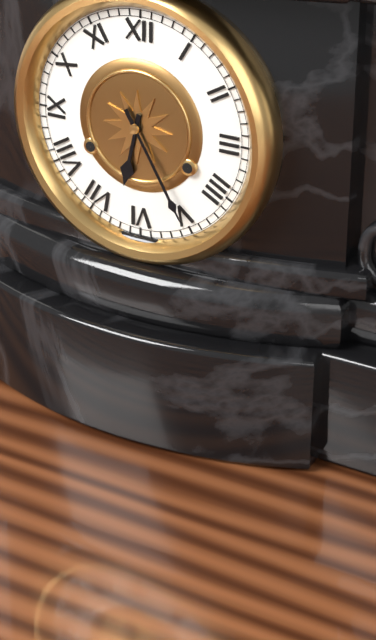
6.25
